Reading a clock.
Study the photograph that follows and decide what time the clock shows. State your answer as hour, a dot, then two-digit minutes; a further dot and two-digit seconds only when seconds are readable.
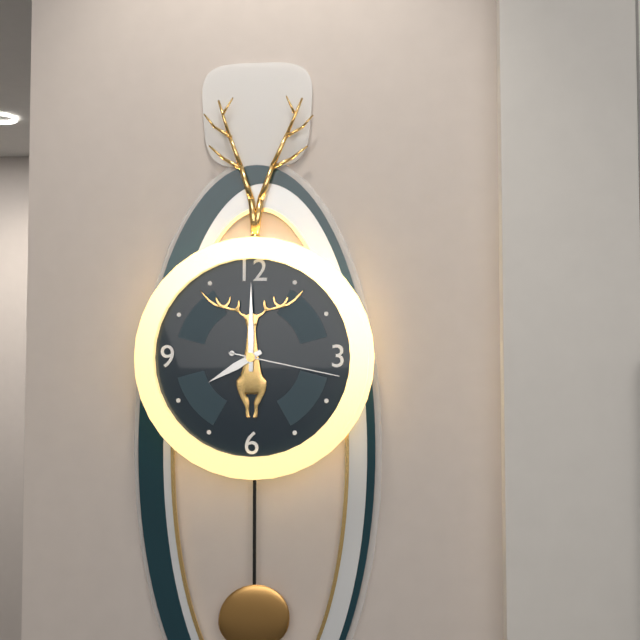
8.00.17
